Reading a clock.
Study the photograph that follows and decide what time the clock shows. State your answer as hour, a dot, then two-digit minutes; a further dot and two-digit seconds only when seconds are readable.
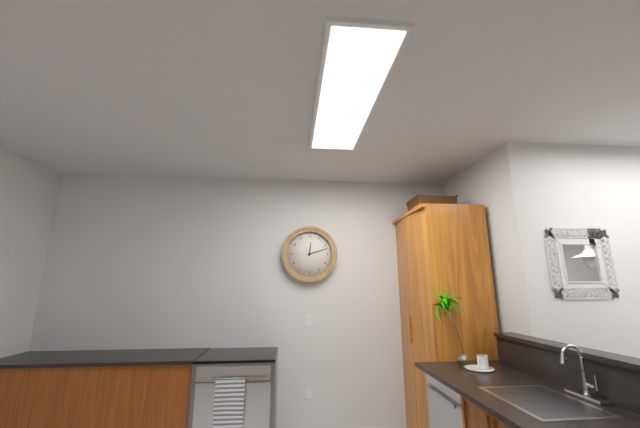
12.12
